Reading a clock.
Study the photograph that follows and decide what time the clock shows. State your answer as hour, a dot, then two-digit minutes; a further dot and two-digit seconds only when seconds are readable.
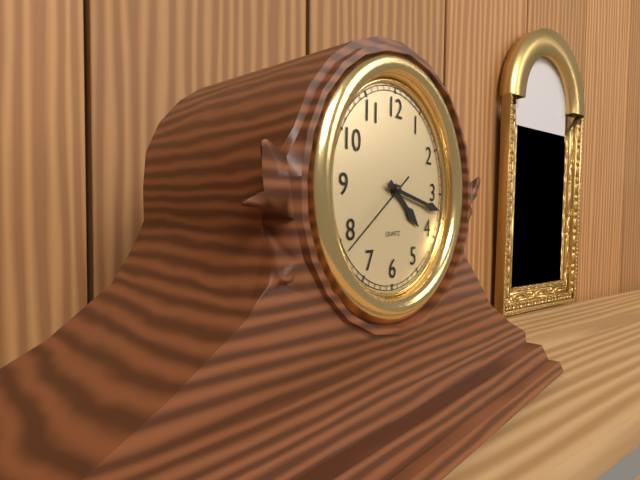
4.17.39
